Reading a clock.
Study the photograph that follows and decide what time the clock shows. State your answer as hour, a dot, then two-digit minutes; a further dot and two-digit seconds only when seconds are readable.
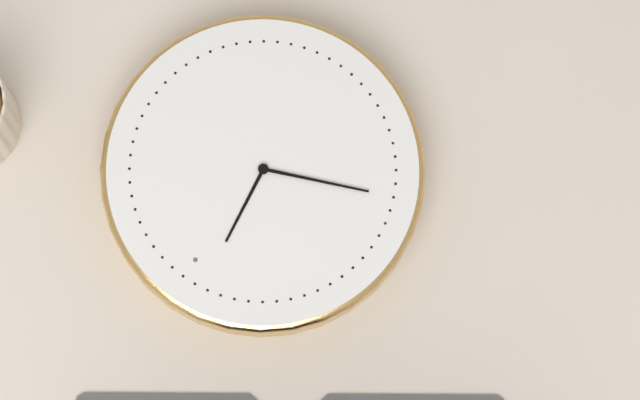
11.41
